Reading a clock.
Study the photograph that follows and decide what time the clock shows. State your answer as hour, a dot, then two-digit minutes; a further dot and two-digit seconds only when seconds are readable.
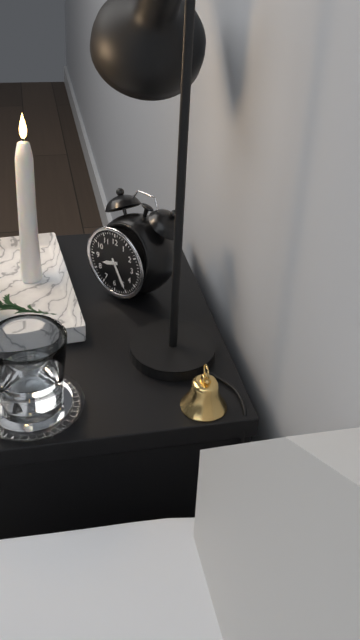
8.25
